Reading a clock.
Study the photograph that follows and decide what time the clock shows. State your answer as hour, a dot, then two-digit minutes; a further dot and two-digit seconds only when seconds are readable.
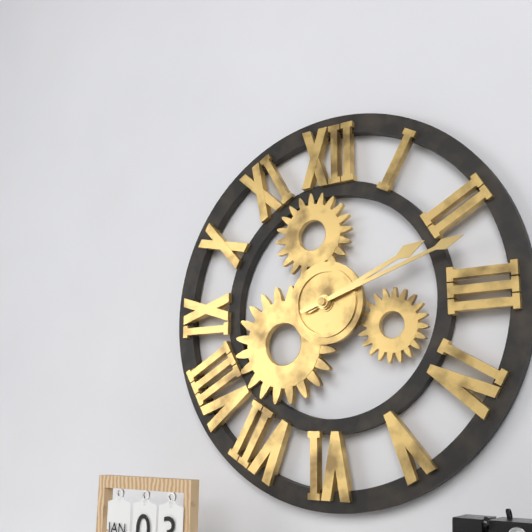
2.12
